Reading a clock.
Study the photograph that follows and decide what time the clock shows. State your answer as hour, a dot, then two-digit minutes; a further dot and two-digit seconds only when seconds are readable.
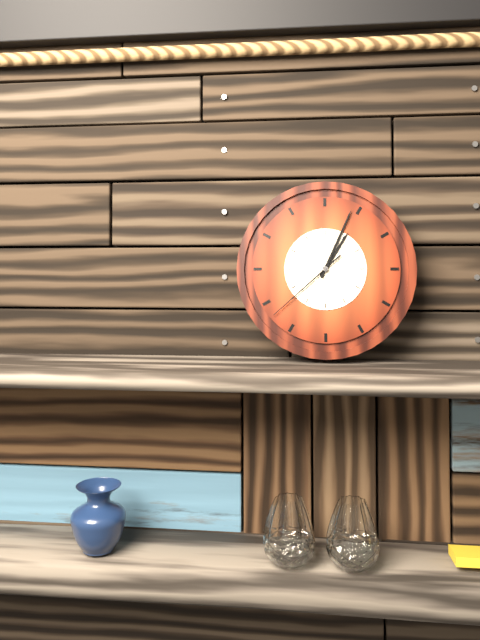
1.04.38
